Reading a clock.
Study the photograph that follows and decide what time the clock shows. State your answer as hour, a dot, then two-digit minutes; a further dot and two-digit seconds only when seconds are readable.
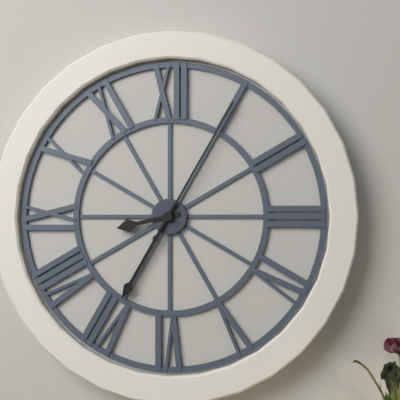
8.35.05
